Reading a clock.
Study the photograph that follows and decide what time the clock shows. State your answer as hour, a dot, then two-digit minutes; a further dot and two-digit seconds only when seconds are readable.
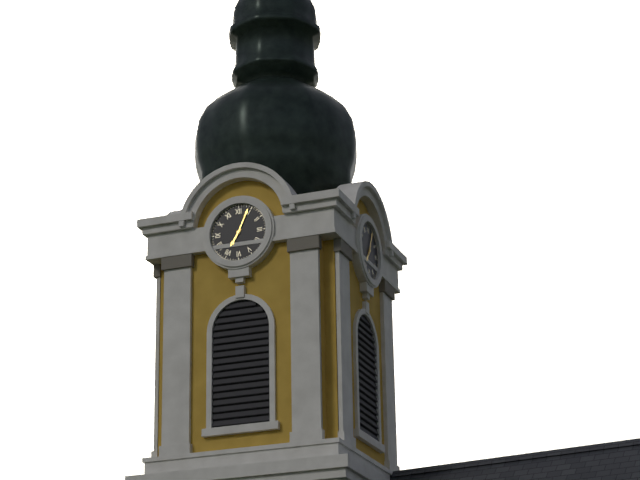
7.04
